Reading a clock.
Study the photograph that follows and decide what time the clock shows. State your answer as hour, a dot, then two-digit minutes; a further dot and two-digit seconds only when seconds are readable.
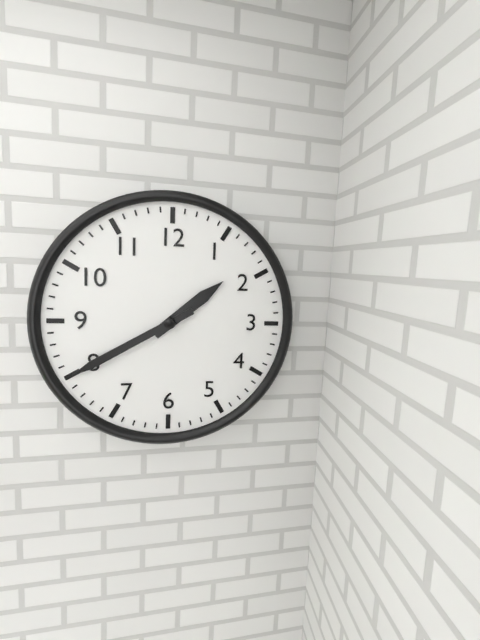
1.40
